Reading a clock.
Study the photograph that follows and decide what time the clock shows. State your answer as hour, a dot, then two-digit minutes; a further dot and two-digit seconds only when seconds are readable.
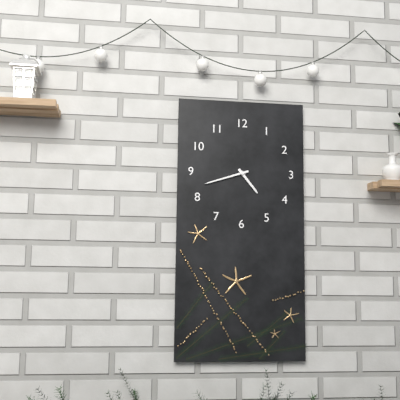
4.42
